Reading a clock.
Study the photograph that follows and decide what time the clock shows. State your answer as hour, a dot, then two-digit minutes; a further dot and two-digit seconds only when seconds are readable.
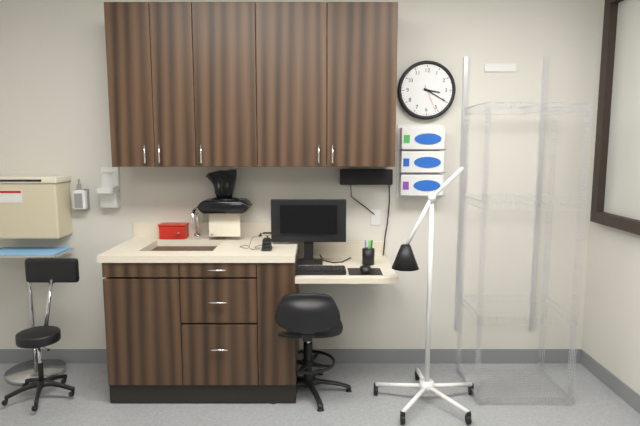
3.20
